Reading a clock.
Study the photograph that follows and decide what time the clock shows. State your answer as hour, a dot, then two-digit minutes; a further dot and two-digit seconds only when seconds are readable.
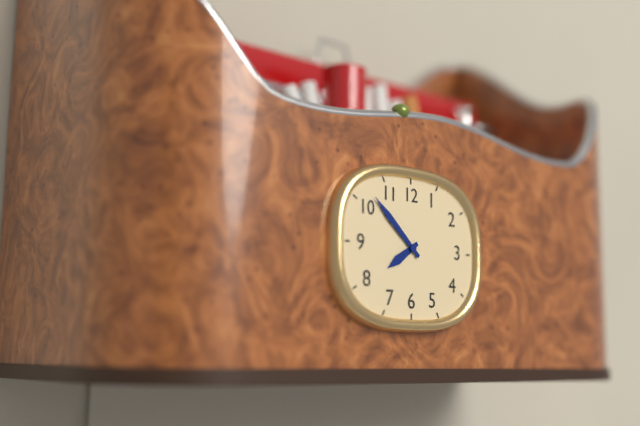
7.52
